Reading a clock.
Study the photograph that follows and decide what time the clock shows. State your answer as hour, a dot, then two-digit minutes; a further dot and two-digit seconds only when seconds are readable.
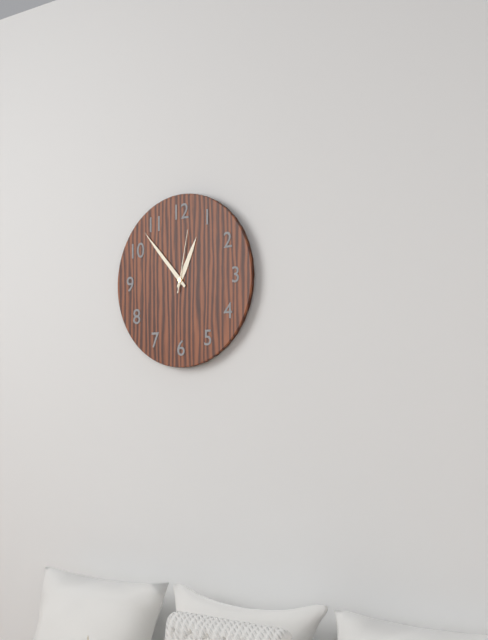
12.53.02
